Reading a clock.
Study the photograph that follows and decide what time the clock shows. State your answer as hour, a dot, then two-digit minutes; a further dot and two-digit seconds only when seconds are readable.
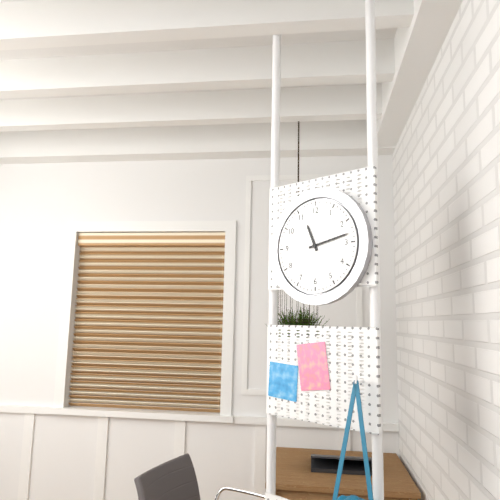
11.13
